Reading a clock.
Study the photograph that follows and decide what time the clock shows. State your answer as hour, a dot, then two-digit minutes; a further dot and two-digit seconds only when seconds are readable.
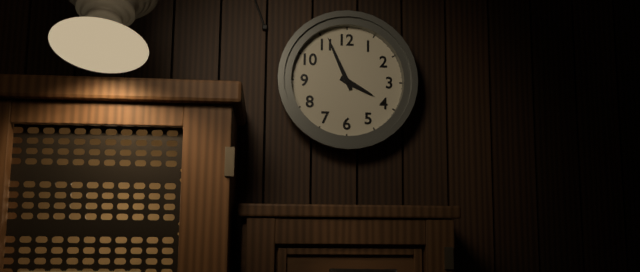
3.56
